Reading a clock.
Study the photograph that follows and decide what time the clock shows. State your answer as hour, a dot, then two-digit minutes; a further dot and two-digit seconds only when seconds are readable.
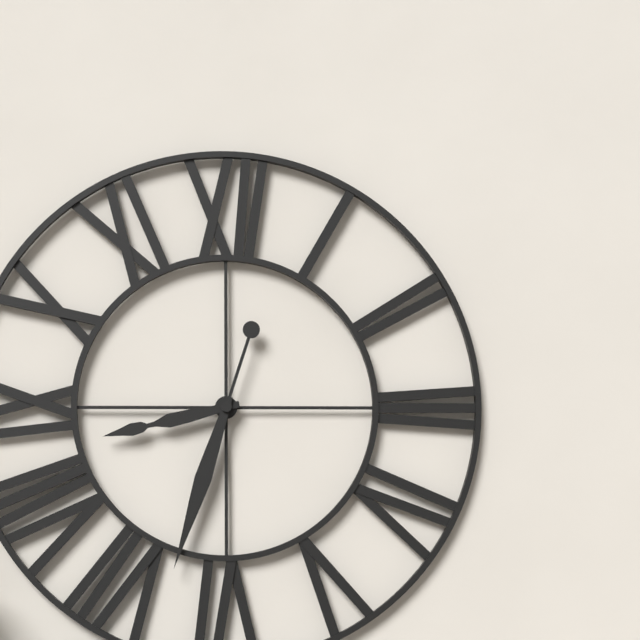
8.33
